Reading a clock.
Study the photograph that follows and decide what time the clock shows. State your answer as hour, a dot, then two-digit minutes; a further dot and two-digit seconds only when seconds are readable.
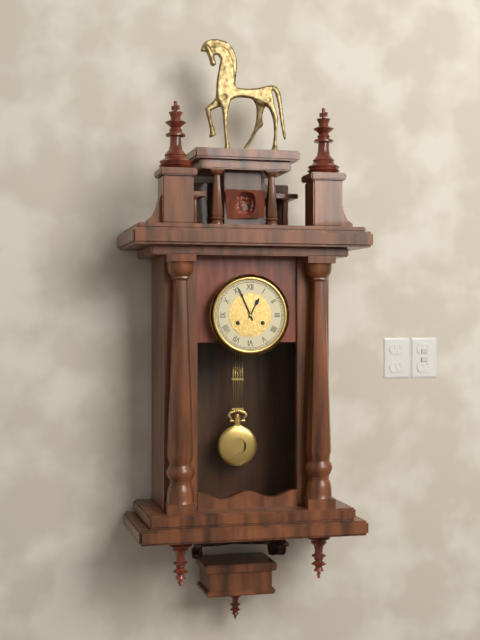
12.56
